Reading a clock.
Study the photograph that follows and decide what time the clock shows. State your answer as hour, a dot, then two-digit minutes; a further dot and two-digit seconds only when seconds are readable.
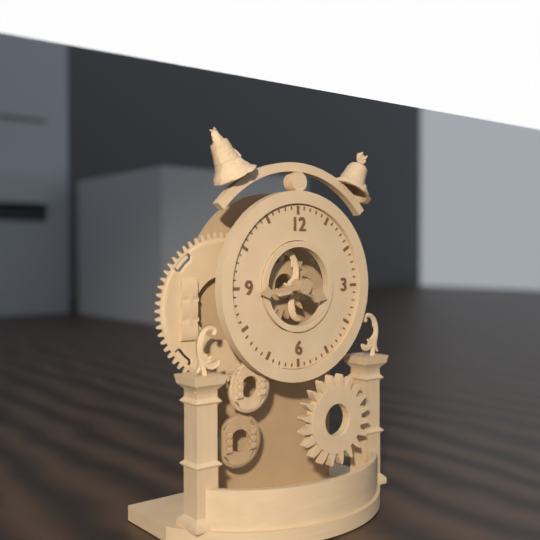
3.44
